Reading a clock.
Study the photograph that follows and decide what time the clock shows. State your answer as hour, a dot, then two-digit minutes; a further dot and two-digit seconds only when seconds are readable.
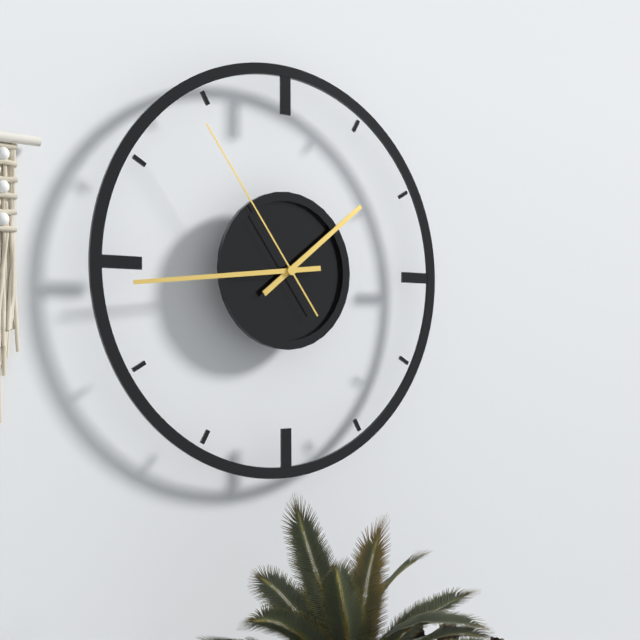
1.44.54
